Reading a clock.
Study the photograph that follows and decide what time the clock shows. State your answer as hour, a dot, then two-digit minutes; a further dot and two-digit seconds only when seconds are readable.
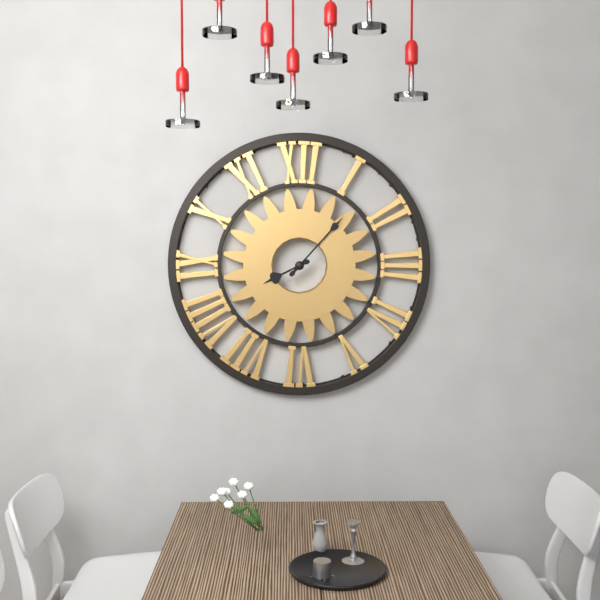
8.07
